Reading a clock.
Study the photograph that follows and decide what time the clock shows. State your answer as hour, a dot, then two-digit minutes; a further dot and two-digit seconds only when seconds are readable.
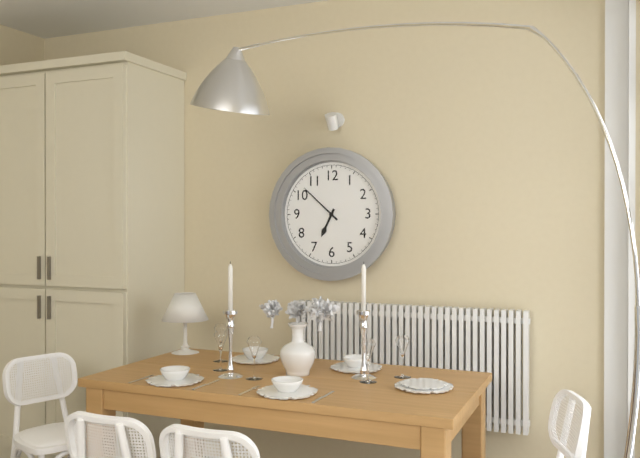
6.52
